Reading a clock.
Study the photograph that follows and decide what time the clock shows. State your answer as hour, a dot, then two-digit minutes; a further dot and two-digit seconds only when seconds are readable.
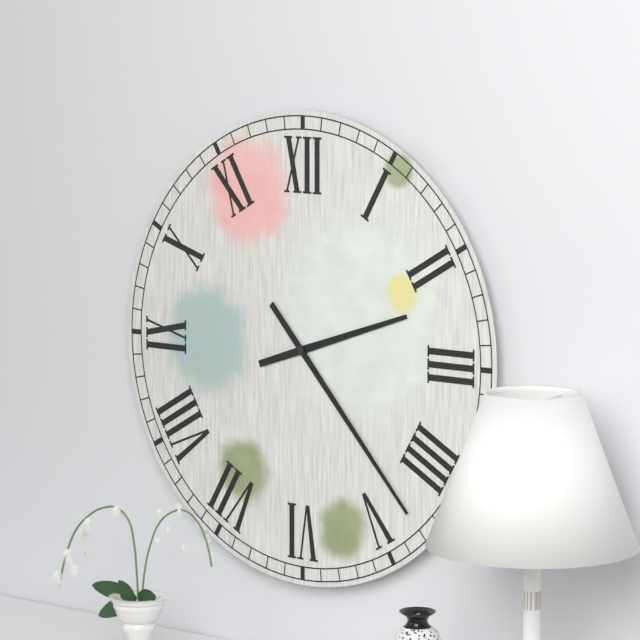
2.23
